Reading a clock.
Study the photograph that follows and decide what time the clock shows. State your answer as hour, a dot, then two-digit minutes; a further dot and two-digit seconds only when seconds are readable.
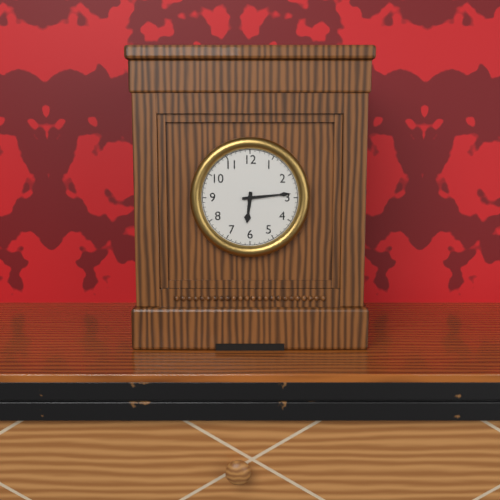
6.14
